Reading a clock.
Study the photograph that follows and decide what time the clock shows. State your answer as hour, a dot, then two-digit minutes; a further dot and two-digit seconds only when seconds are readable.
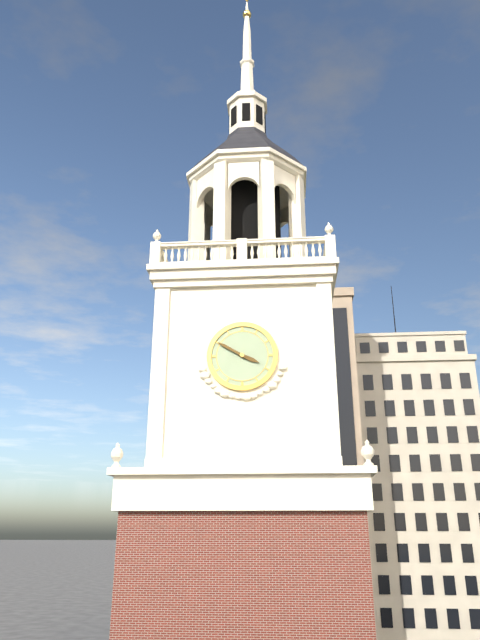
3.50
